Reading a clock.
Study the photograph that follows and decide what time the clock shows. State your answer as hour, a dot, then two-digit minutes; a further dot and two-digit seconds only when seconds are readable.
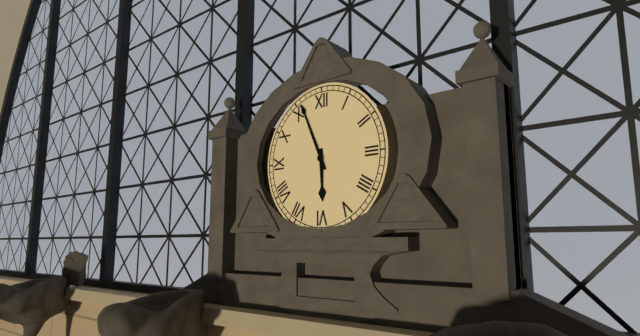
5.56
